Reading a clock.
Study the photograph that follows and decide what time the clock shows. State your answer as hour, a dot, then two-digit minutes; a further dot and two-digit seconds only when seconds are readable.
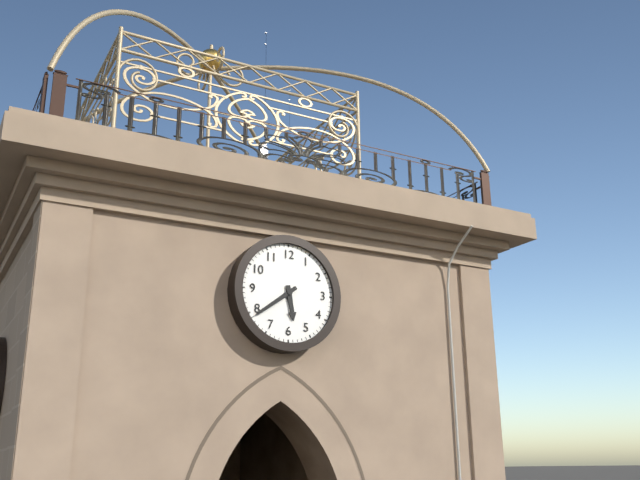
5.39
